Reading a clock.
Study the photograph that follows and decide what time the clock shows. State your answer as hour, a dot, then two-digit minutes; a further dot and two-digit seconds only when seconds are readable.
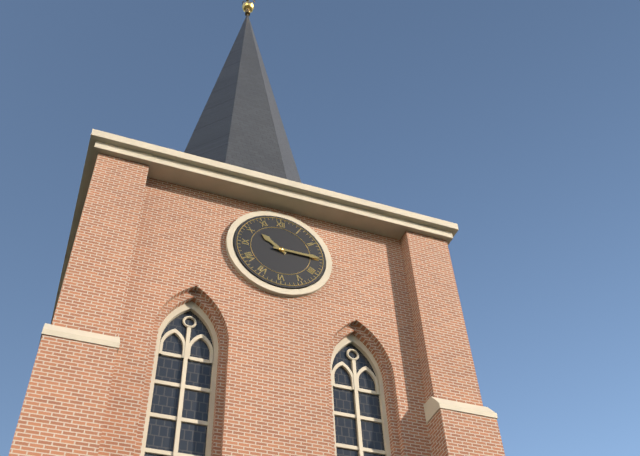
10.15
